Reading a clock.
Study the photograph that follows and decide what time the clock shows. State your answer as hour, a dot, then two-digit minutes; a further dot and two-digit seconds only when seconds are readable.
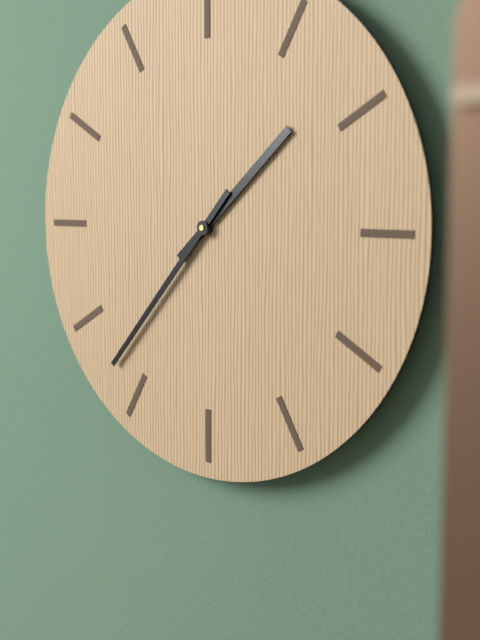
1.37
